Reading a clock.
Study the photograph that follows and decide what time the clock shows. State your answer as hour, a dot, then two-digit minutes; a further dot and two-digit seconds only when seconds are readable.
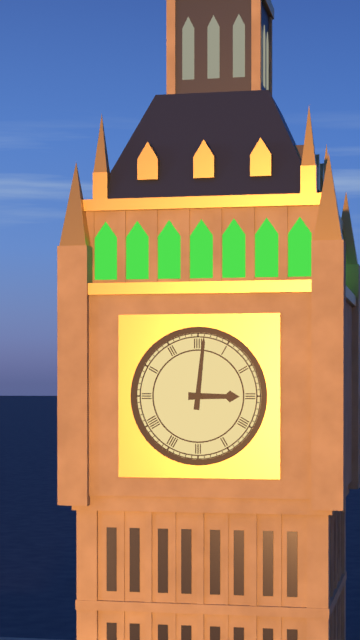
3.01
